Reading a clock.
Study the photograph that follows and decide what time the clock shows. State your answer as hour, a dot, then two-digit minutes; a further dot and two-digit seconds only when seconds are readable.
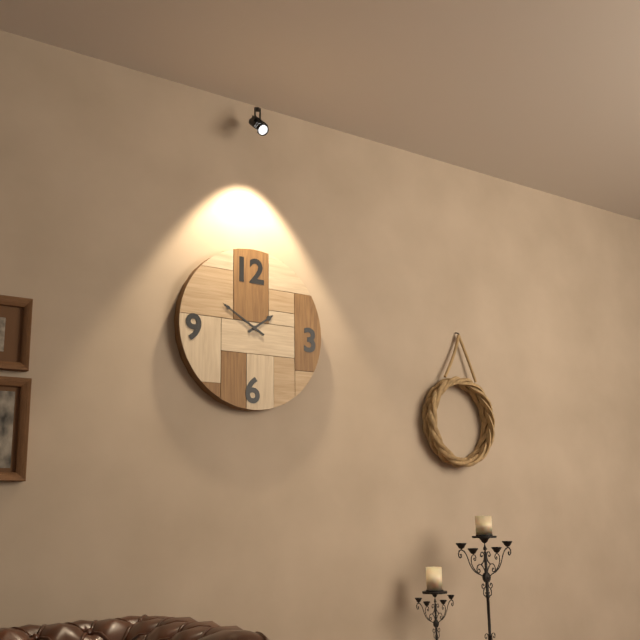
1.50
